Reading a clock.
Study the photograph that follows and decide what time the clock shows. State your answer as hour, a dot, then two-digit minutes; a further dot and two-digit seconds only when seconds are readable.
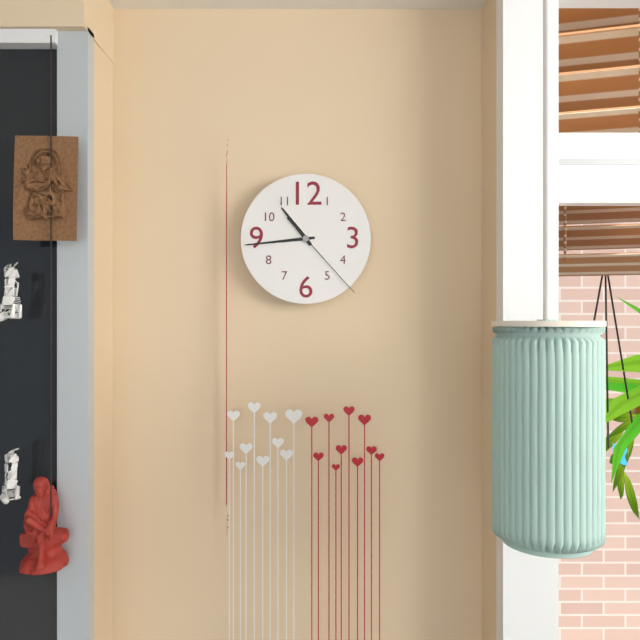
10.44.23
